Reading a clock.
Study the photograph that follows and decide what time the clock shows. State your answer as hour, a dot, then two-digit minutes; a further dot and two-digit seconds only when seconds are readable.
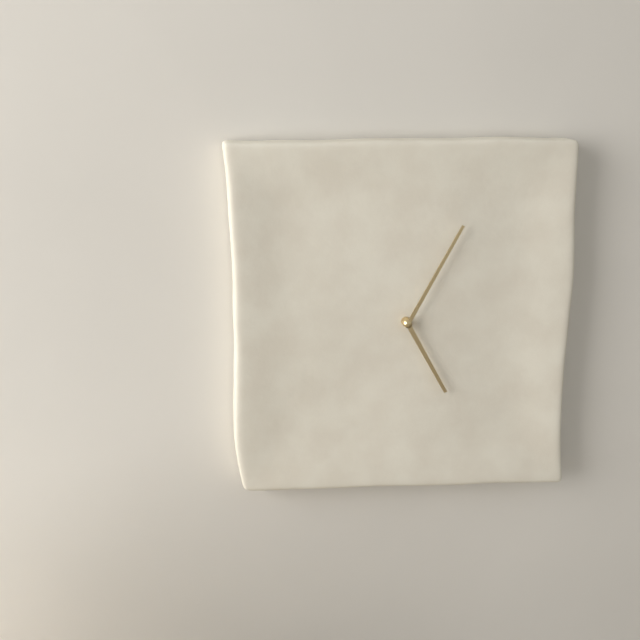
5.05
